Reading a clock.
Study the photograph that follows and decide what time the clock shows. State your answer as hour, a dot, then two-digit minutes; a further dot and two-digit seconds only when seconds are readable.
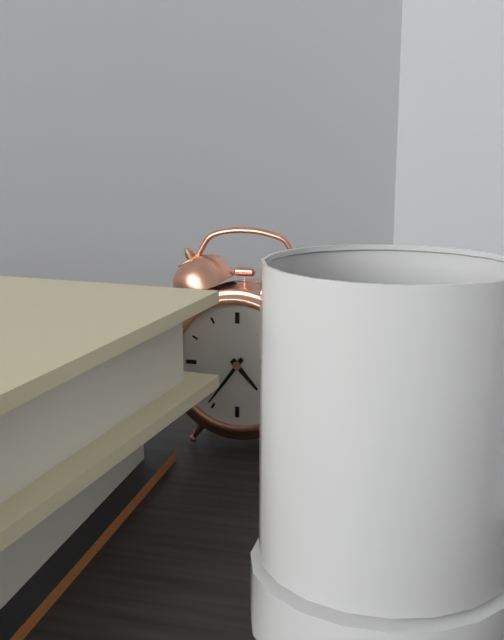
4.36
